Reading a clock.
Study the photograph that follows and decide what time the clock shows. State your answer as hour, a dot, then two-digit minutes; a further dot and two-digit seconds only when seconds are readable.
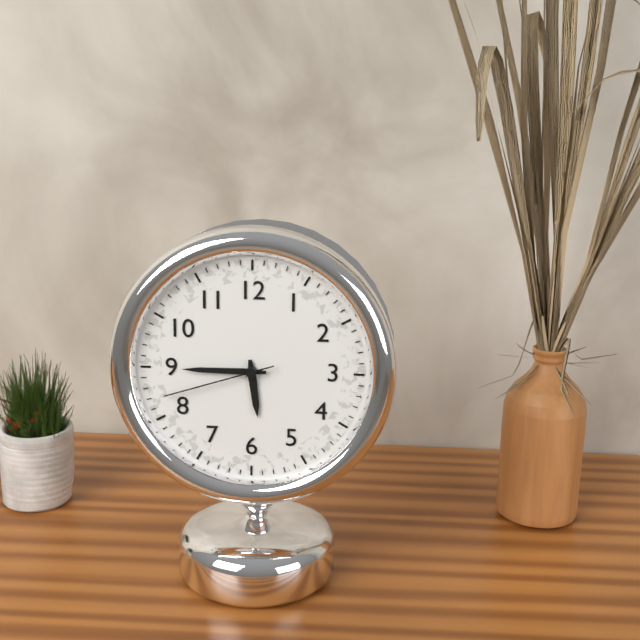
5.45.42
